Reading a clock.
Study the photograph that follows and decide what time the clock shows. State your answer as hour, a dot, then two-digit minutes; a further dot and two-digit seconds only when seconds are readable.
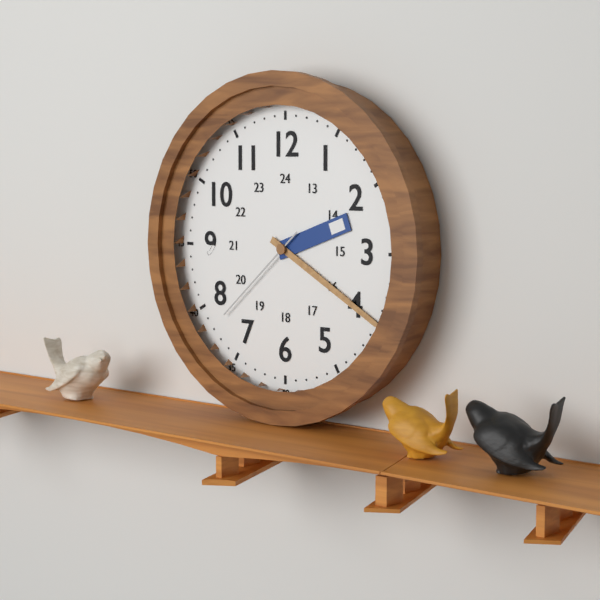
2.20.38
